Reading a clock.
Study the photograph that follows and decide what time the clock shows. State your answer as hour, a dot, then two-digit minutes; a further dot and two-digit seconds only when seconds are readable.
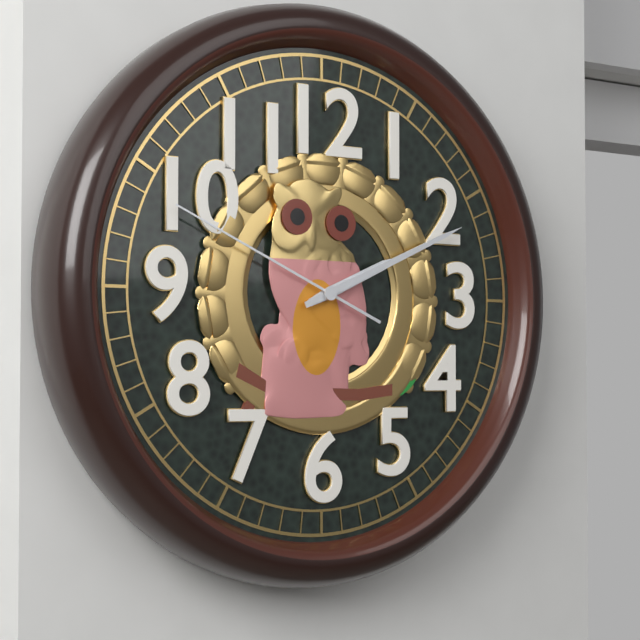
2.11.49
